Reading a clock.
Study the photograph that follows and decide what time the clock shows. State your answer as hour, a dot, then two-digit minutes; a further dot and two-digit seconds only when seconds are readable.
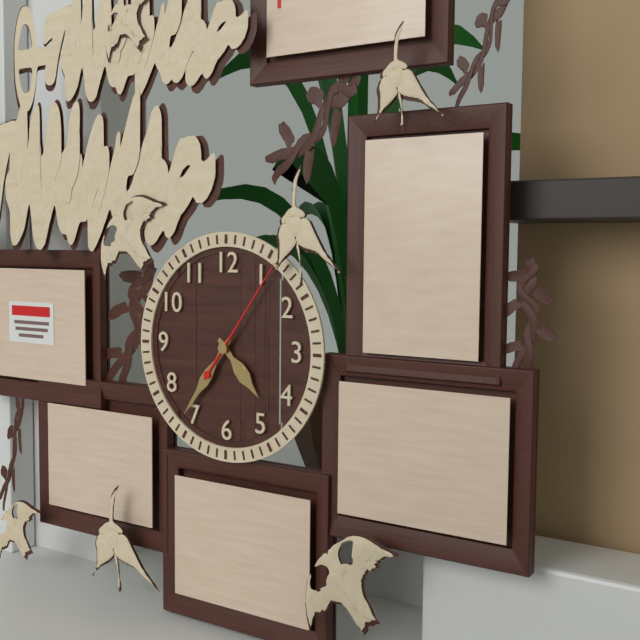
4.36.06
